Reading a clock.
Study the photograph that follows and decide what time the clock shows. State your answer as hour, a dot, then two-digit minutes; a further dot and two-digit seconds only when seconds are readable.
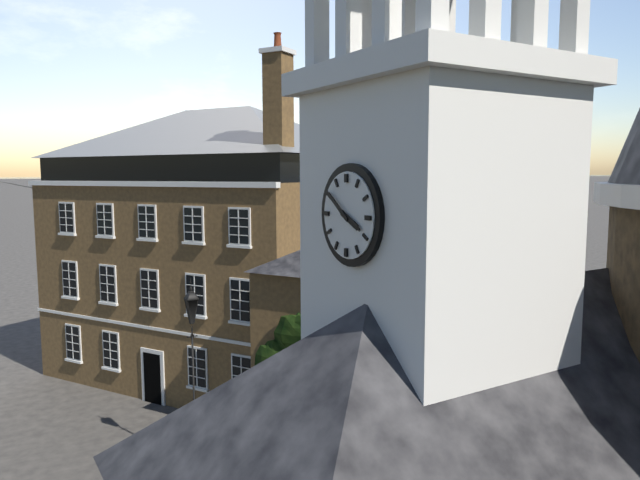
3.51
